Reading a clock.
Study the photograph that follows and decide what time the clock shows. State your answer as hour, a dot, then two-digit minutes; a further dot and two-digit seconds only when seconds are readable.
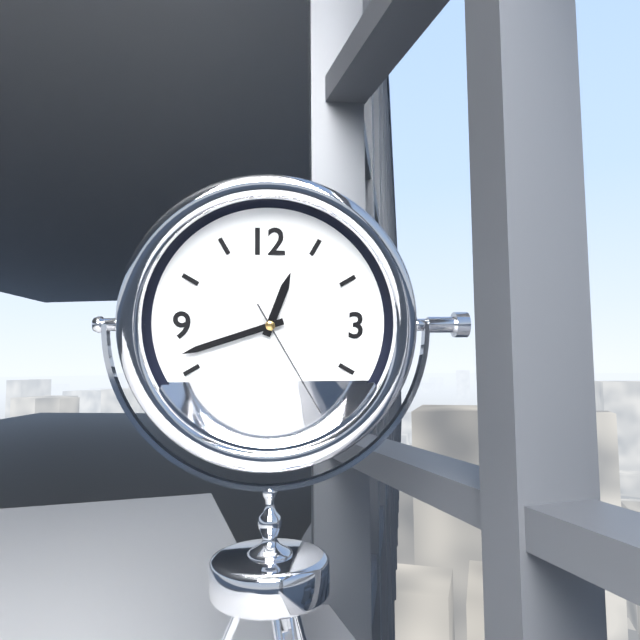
12.42.25
